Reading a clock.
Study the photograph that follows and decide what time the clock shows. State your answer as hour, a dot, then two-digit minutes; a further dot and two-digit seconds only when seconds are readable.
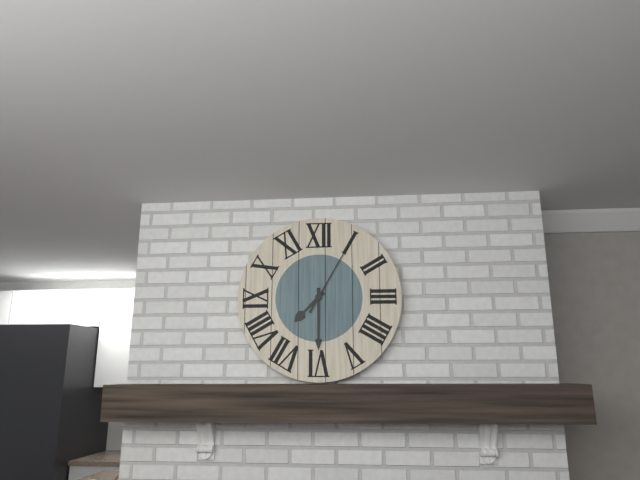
7.30.05
